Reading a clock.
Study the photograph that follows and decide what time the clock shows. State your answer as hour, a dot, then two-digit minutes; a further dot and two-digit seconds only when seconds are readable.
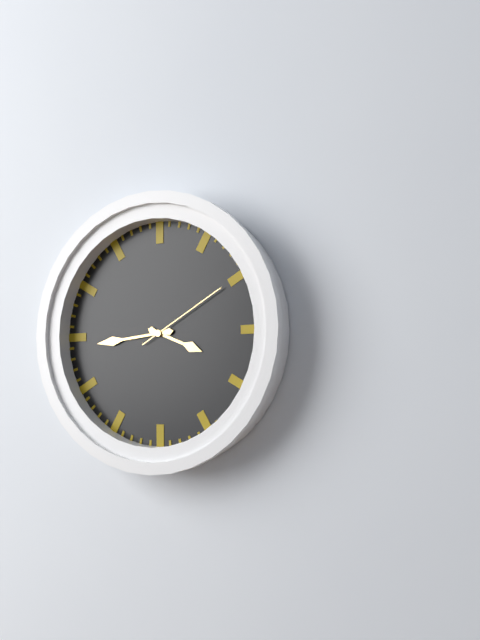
3.44.10
